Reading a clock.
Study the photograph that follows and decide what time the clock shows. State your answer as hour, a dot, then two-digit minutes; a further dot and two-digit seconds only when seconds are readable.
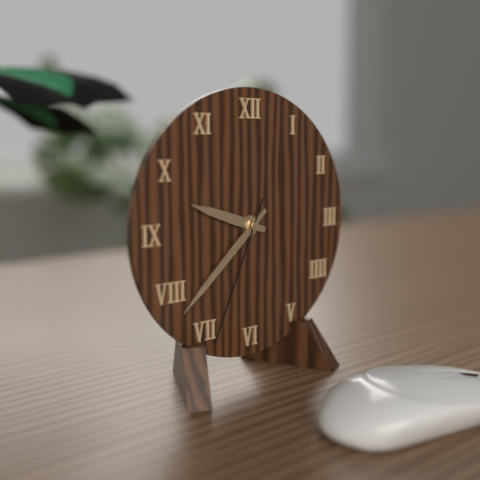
9.38.34
